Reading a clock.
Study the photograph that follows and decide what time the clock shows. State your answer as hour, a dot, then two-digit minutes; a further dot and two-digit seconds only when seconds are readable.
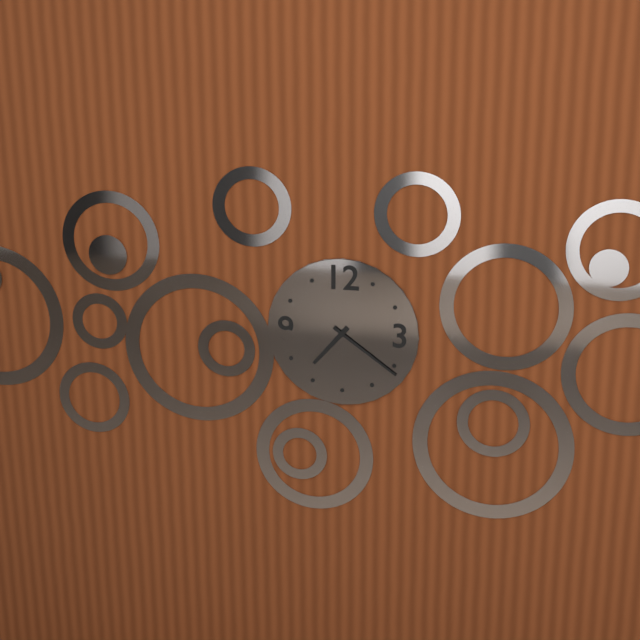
7.21
